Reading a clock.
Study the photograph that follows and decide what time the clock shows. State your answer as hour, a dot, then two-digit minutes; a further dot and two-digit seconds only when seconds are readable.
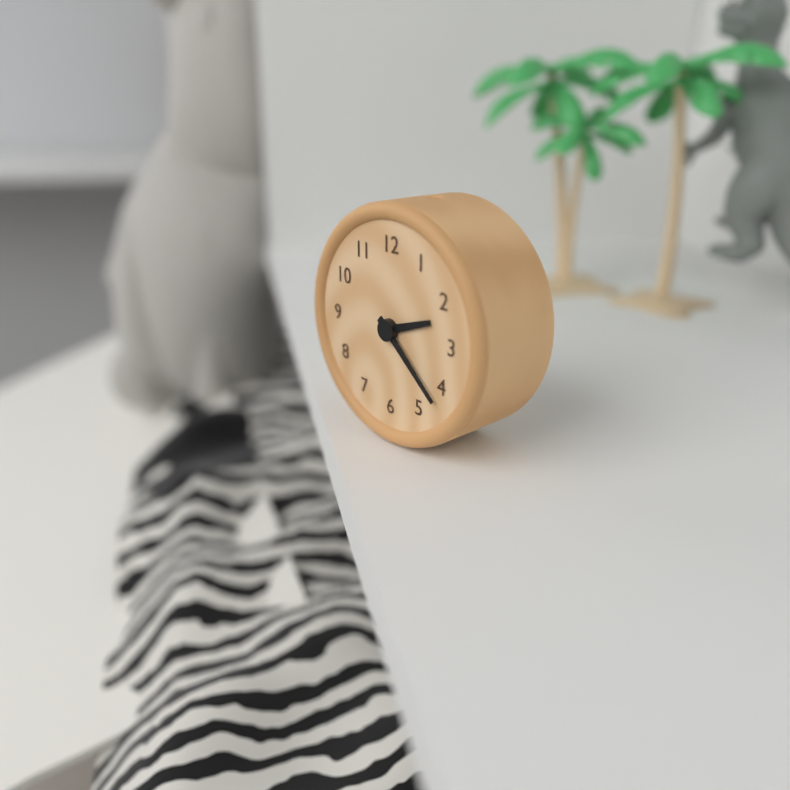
2.22
